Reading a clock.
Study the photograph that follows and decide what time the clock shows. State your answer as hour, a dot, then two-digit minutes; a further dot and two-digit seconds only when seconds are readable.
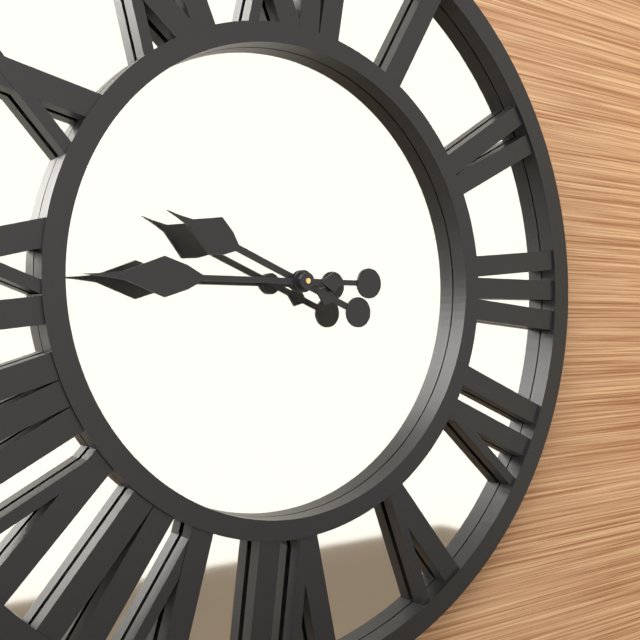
9.45
